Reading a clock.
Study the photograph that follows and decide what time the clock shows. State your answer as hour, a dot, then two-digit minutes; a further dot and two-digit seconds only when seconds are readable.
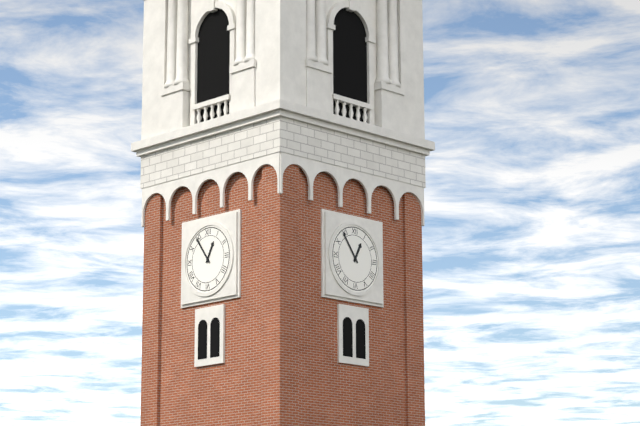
12.54
